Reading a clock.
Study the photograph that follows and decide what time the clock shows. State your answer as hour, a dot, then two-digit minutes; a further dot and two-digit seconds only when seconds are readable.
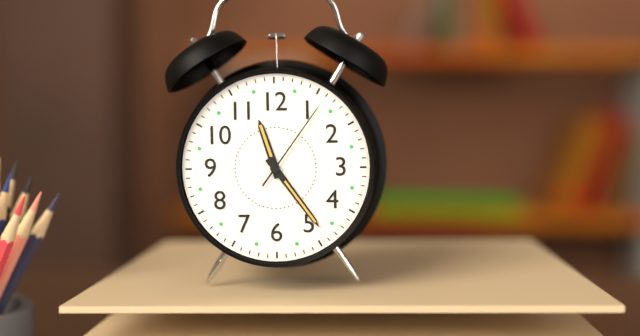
11.24.06
